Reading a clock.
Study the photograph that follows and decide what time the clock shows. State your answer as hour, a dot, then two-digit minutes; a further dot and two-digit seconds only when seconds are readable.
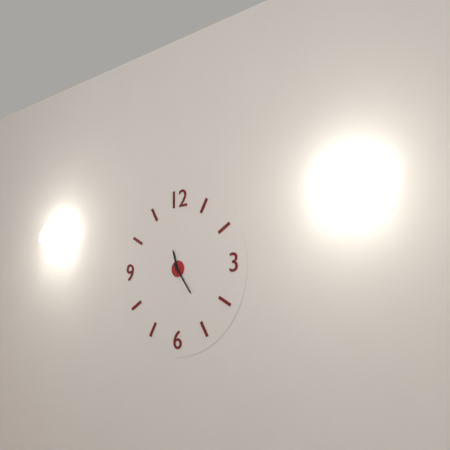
11.24
